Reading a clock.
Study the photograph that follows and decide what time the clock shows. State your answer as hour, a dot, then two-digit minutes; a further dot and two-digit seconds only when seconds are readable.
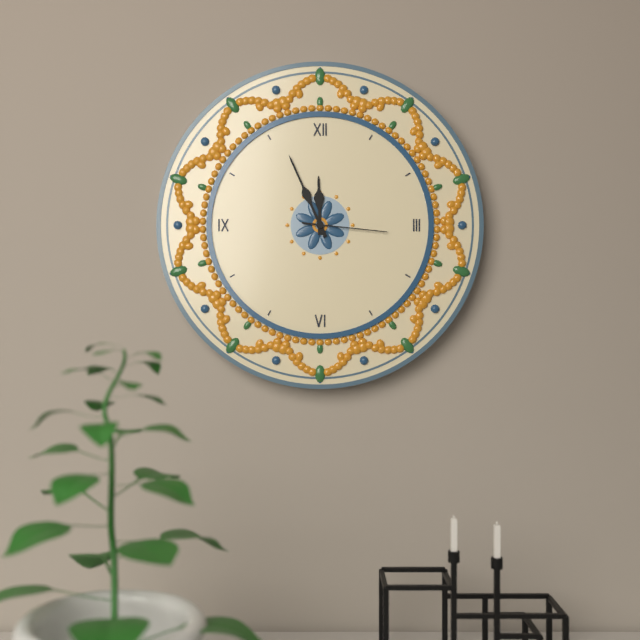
11.56.16
